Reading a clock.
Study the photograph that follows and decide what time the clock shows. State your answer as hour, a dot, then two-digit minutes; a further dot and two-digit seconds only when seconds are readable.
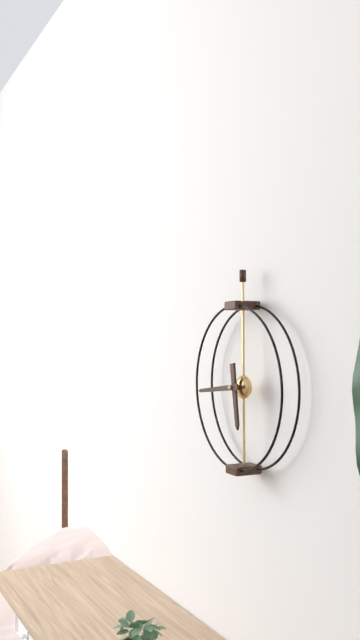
5.44
